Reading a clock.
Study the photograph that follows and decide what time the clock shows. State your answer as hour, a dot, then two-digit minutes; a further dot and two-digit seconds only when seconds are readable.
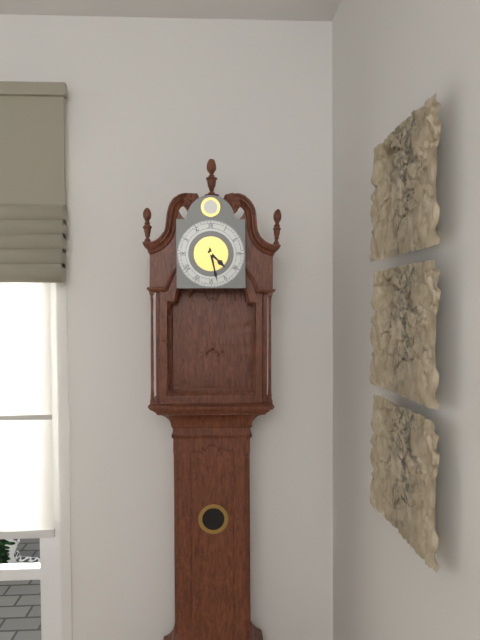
4.28
